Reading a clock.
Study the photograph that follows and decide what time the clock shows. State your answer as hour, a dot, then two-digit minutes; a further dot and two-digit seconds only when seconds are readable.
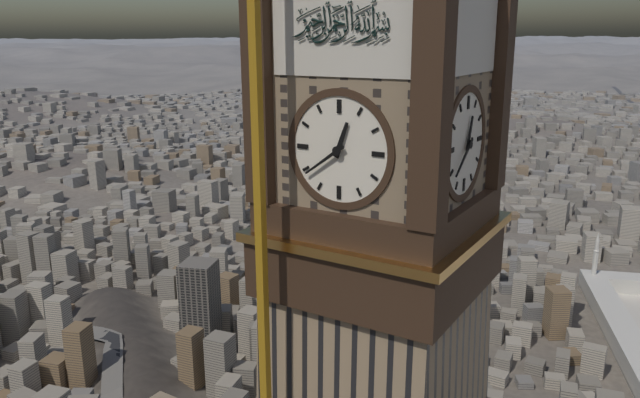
12.39
